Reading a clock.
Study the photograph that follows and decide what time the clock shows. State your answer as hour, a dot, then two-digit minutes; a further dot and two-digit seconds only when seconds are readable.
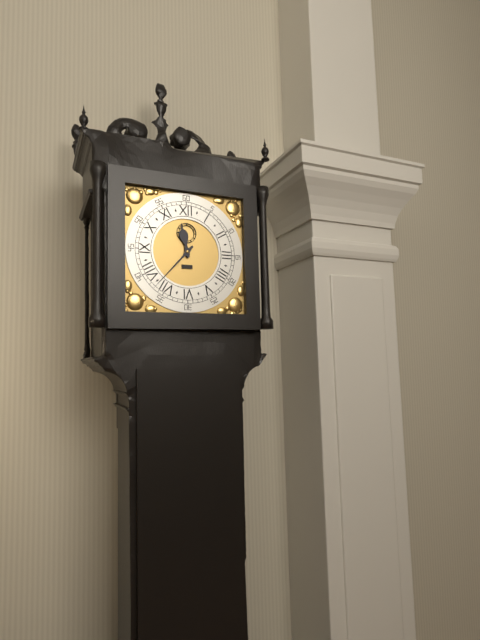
11.37
